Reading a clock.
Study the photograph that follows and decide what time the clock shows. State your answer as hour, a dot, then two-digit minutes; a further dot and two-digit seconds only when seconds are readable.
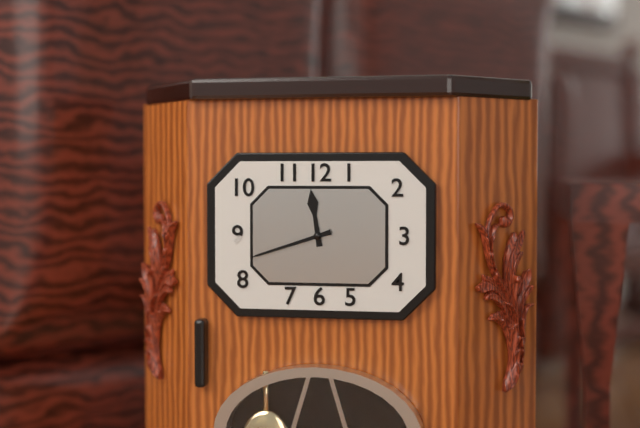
11.42
